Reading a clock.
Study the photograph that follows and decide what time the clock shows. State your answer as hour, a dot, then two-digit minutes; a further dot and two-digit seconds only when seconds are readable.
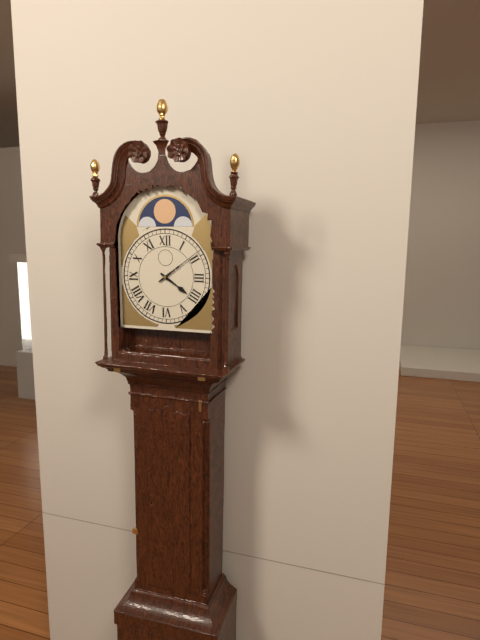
4.09
